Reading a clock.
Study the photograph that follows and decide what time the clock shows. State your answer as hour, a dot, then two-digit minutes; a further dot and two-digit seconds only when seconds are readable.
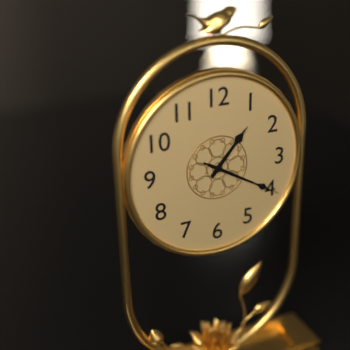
1.20.20
